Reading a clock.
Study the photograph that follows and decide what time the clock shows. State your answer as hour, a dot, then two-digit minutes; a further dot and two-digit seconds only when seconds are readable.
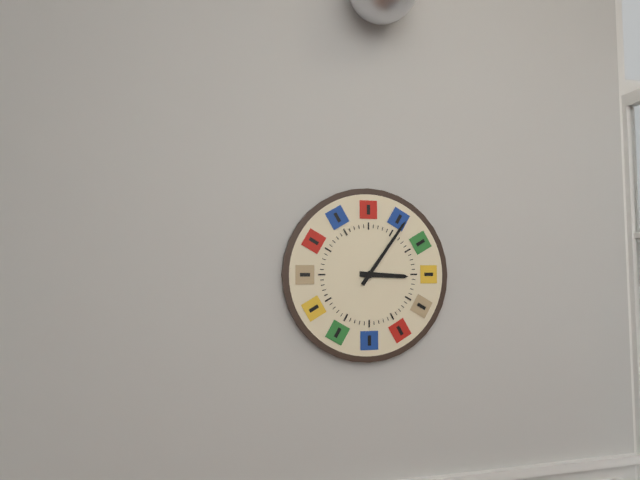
3.06
